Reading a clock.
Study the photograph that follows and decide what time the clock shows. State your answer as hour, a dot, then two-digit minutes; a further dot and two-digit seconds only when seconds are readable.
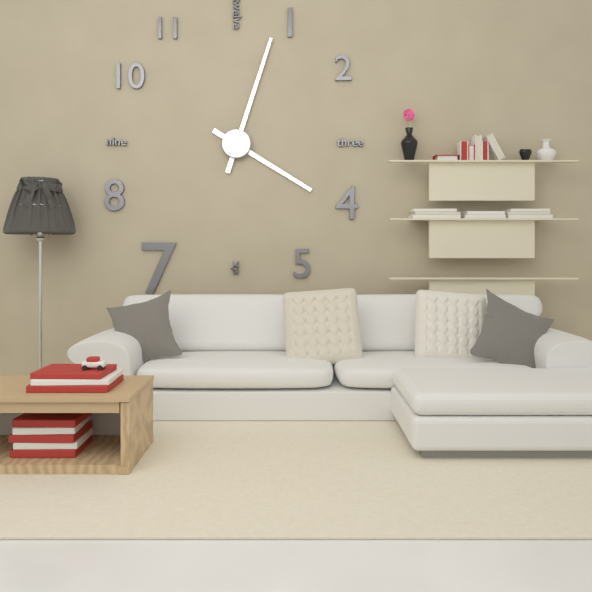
4.03
